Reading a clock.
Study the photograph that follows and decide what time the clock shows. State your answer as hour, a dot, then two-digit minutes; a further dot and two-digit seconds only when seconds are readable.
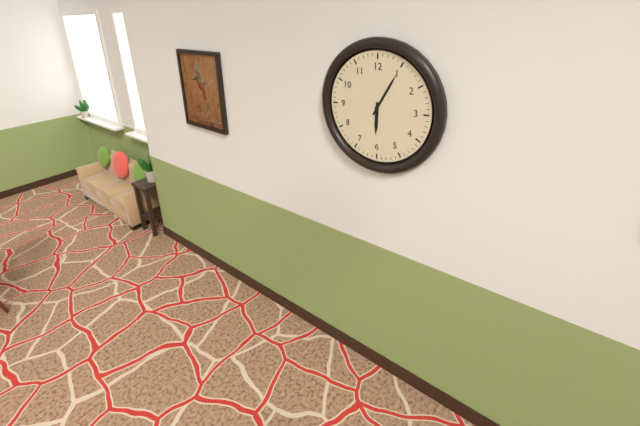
6.05
